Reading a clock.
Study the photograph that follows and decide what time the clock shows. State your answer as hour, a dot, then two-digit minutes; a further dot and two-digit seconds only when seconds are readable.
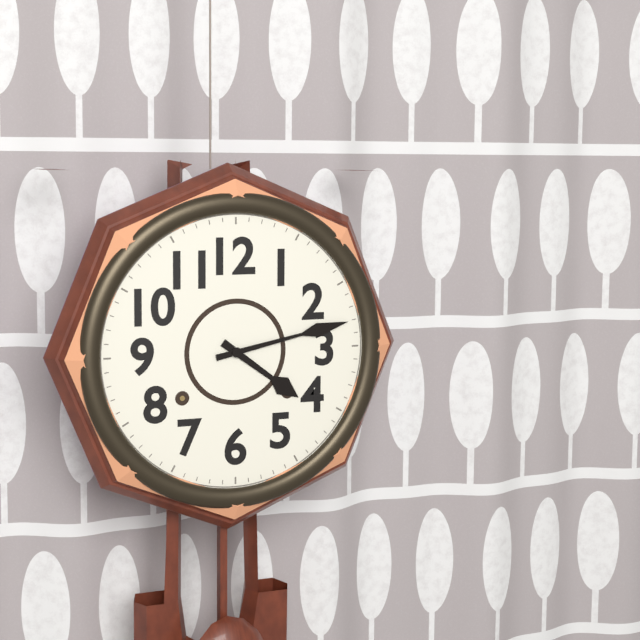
4.13
